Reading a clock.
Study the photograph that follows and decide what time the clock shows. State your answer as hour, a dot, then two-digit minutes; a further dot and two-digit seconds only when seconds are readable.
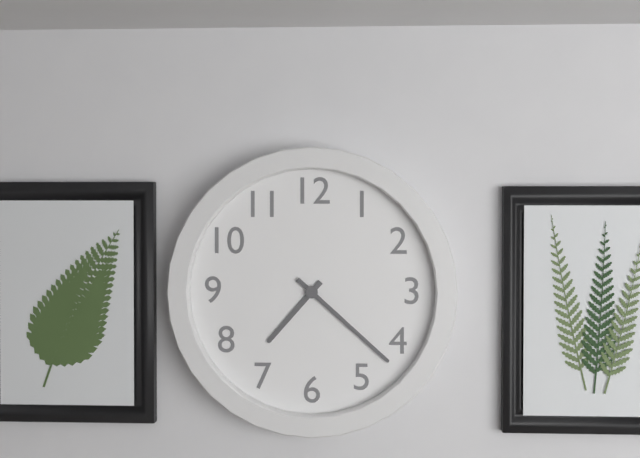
7.22
